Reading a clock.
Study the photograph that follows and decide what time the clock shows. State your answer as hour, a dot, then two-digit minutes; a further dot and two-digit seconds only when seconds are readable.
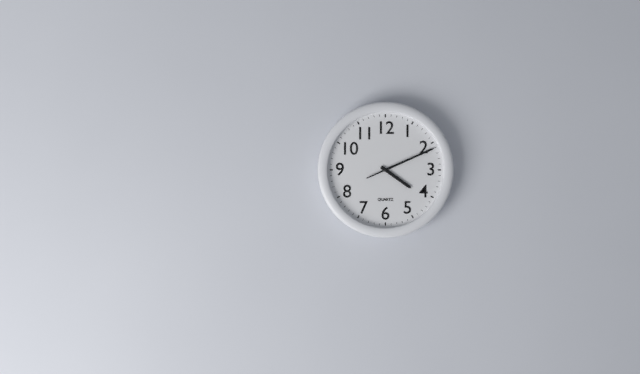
4.11
